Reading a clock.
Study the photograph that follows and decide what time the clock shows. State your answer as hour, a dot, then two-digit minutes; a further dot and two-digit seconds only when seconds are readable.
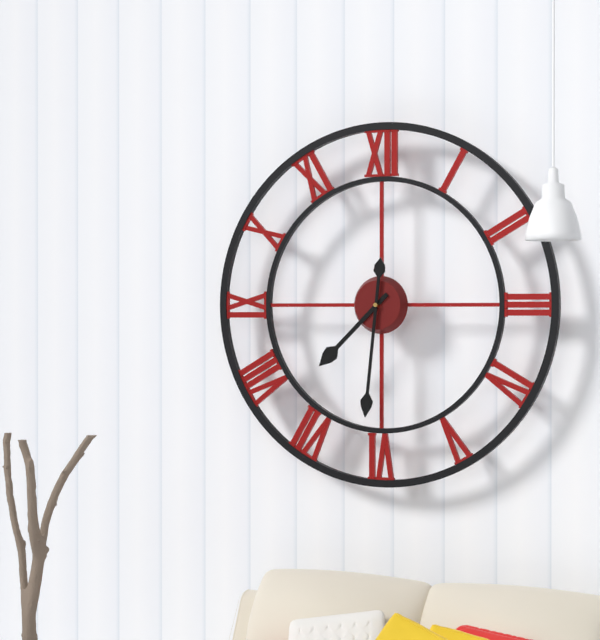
7.31
